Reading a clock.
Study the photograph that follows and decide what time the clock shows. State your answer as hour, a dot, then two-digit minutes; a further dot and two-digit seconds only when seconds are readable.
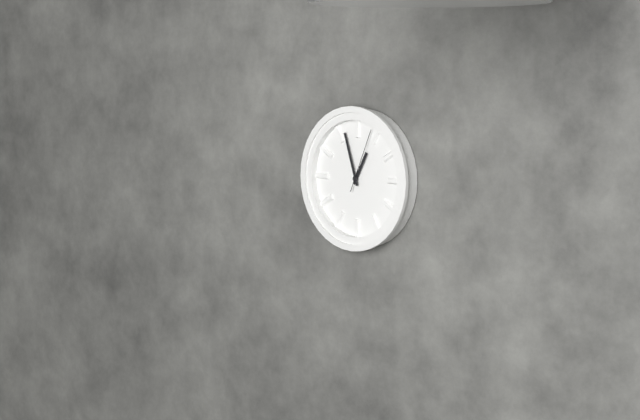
12.57.04
